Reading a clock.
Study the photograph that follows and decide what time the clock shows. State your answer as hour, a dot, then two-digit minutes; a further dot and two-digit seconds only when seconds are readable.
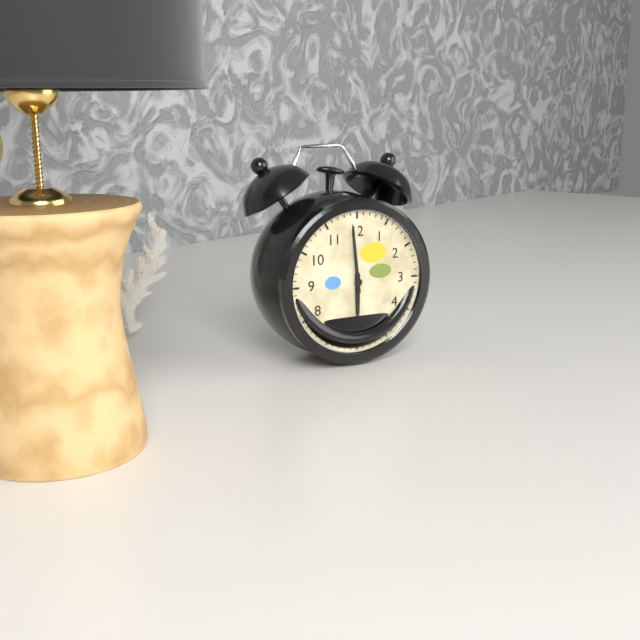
5.59
